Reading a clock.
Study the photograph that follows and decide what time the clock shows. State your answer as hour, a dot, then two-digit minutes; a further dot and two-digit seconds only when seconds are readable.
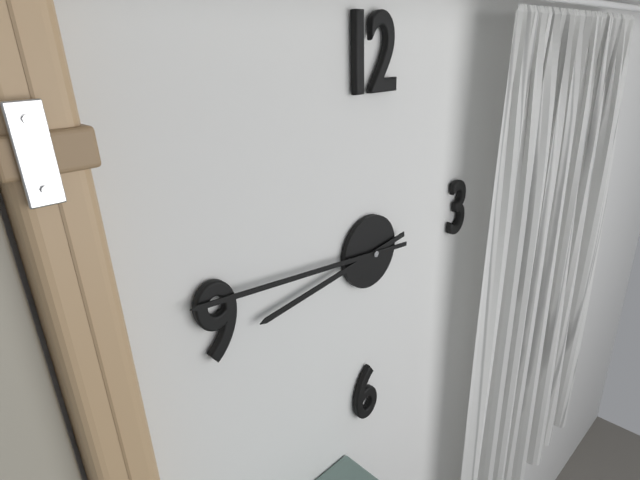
8.46
